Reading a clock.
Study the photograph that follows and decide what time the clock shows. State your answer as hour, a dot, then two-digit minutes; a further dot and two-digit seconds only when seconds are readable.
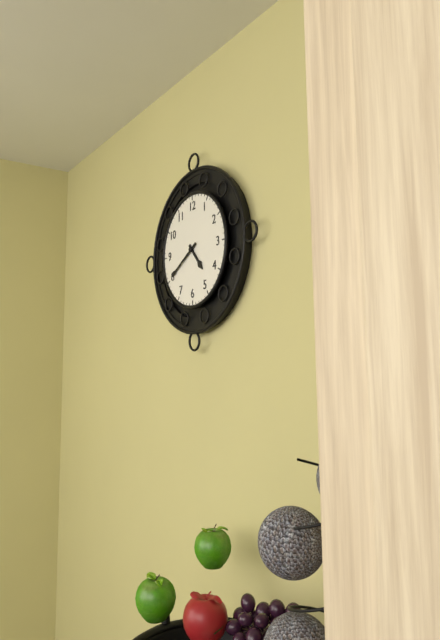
4.40
